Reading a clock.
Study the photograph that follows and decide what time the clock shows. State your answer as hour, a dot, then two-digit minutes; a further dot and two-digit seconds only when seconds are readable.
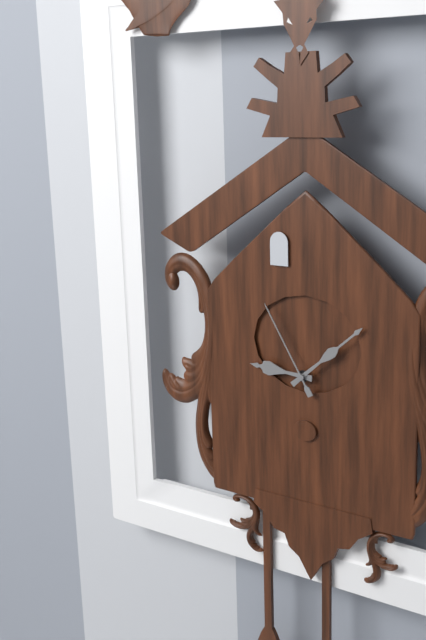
9.08.55
